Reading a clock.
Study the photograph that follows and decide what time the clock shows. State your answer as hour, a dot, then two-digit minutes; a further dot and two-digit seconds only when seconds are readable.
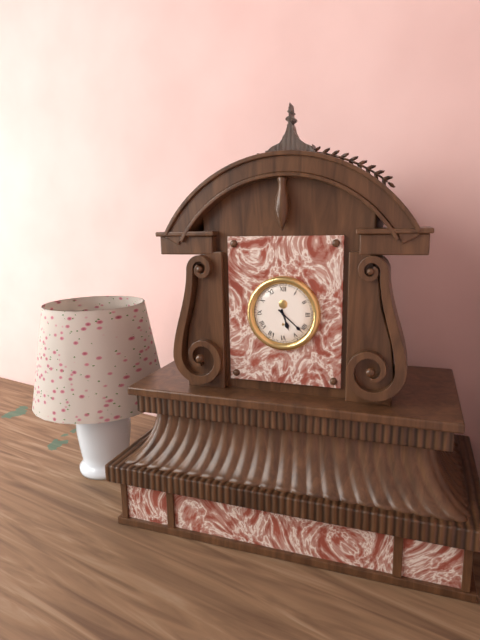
5.22
